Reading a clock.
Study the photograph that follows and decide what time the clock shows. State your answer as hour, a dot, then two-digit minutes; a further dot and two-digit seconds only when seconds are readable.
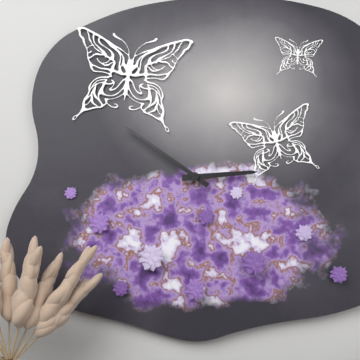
2.51
